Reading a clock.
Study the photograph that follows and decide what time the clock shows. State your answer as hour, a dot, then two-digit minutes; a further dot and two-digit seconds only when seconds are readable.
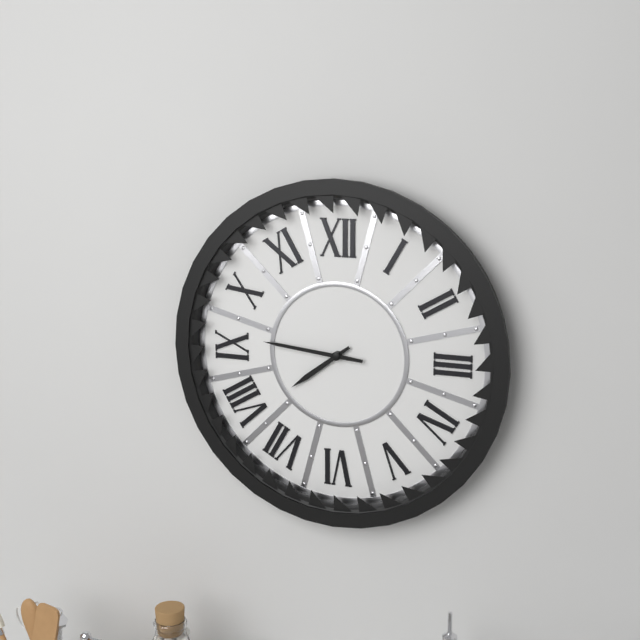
7.46
